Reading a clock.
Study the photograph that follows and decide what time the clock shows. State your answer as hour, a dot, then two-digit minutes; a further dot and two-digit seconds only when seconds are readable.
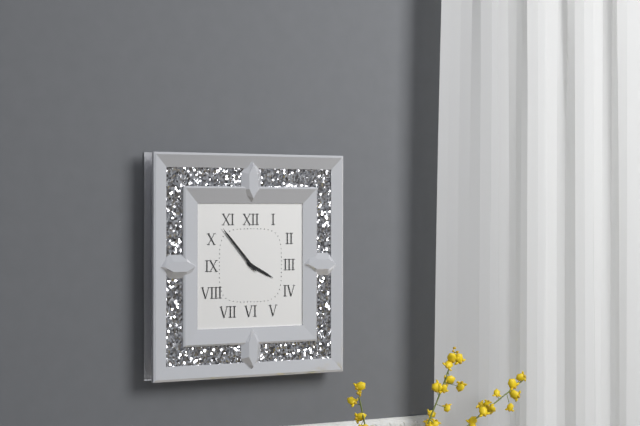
3.53
